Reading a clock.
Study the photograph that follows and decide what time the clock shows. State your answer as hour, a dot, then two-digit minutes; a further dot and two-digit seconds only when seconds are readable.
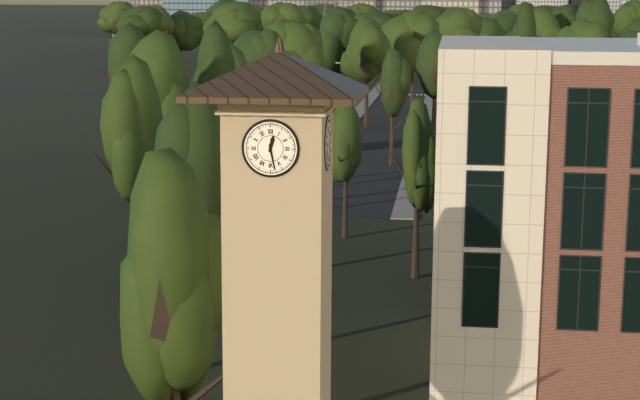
12.28
